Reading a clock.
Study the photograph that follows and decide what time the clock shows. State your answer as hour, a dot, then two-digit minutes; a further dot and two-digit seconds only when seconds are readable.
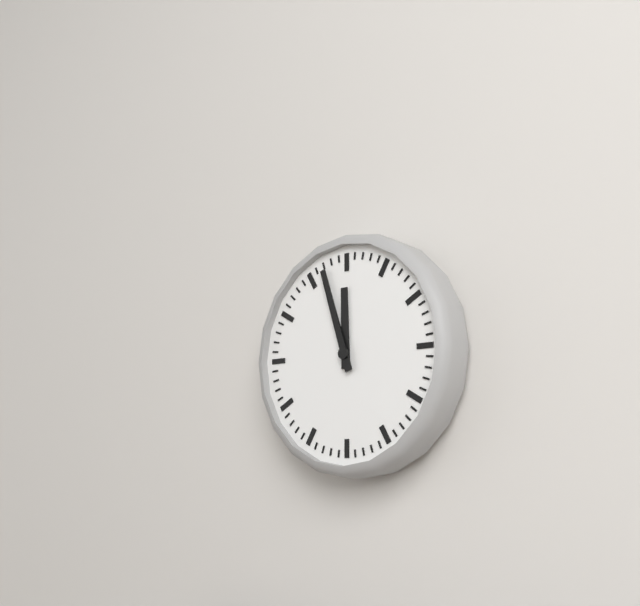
11.57
